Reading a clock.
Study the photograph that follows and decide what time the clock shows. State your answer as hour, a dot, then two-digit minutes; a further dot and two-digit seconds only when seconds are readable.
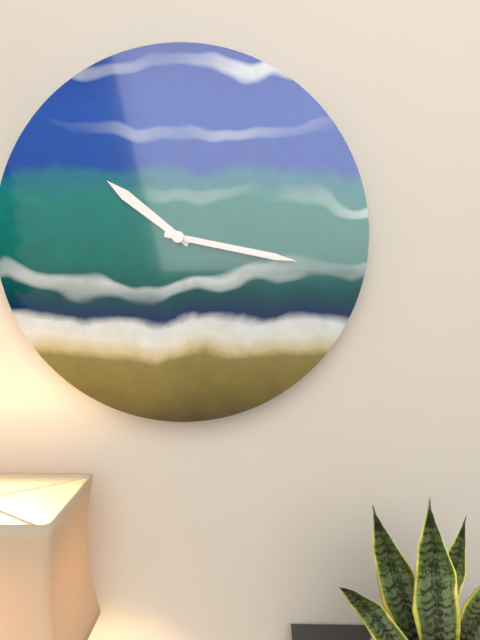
10.17
